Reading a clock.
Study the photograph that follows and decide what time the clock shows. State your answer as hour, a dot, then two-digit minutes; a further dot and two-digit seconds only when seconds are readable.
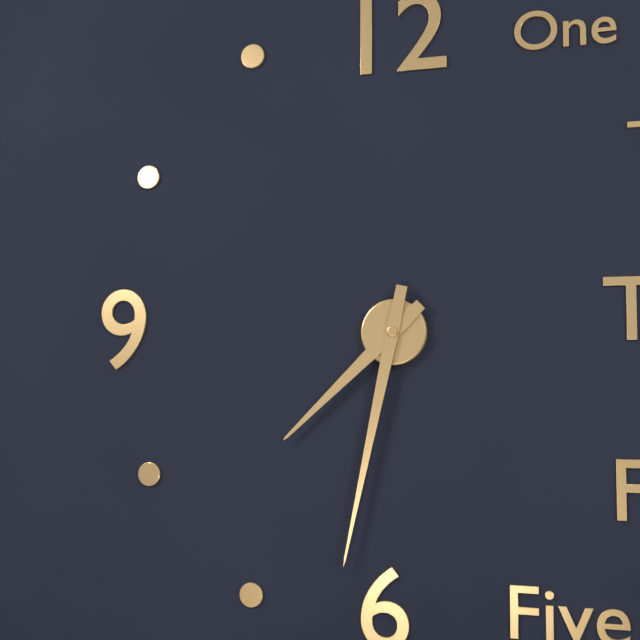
7.32
